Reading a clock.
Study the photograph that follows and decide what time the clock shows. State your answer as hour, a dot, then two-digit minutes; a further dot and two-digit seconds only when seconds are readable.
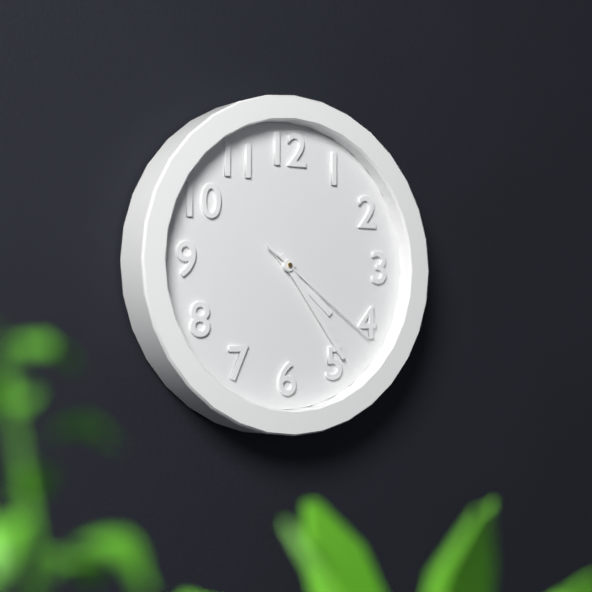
4.24.21
